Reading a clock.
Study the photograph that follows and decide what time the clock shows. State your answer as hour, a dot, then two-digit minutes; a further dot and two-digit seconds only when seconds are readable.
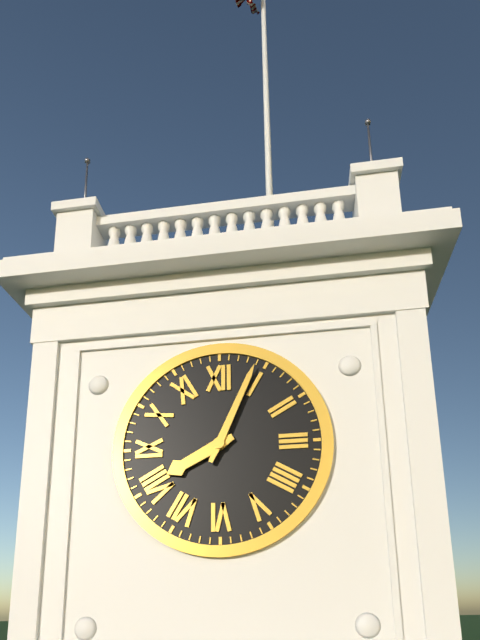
8.04
